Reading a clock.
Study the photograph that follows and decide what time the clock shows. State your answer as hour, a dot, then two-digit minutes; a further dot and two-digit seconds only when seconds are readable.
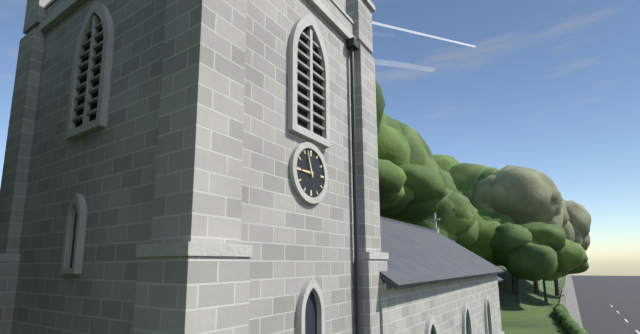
8.57
